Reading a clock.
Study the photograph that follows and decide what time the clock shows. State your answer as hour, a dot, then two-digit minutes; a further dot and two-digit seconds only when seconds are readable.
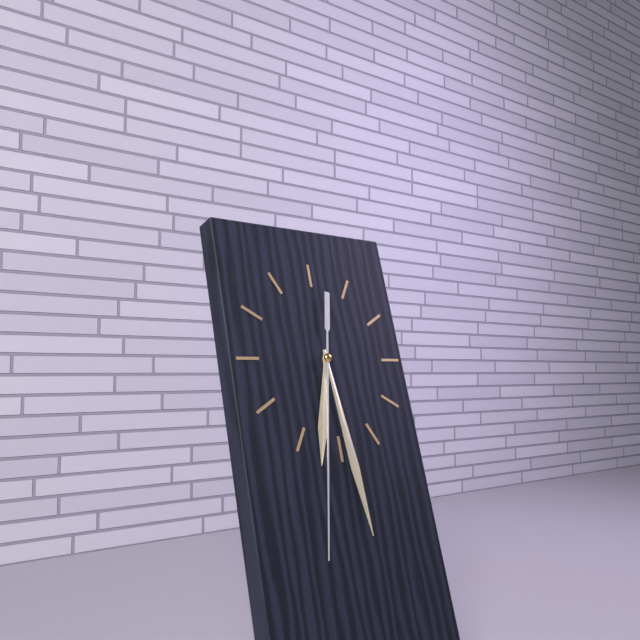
6.29.32
